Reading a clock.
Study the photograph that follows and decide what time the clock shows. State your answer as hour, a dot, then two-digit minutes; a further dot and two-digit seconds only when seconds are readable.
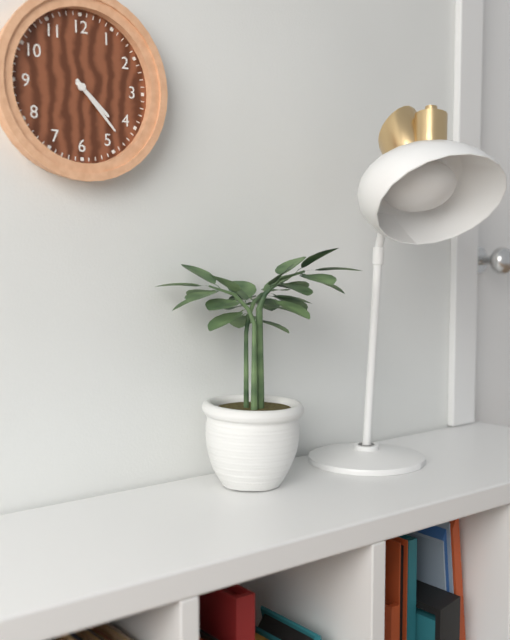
4.23
